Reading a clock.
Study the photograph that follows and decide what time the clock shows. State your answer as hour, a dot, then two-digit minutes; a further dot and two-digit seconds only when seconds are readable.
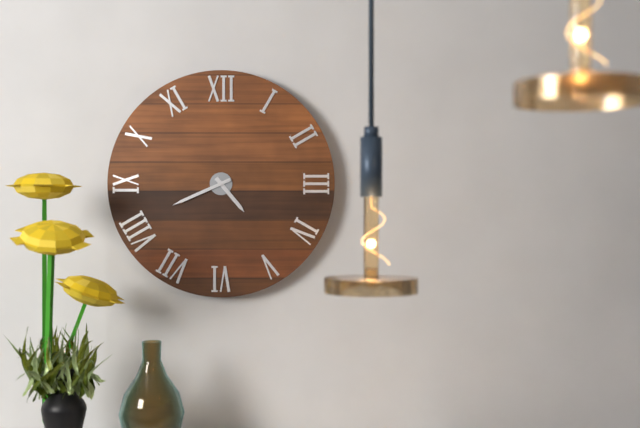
4.41
